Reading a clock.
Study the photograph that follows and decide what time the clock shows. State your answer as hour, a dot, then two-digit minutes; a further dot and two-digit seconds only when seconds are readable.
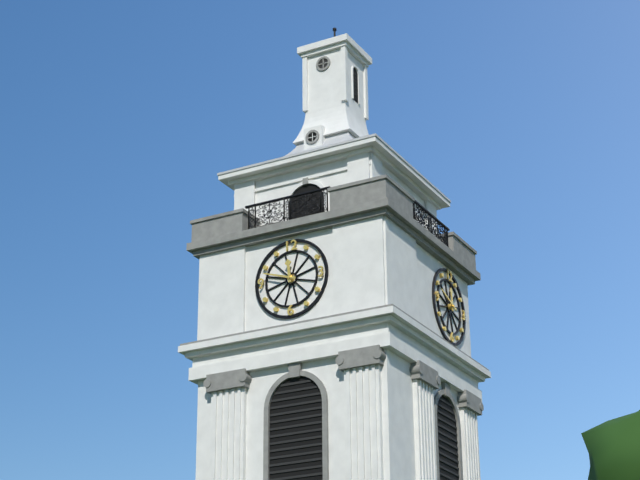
11.48
